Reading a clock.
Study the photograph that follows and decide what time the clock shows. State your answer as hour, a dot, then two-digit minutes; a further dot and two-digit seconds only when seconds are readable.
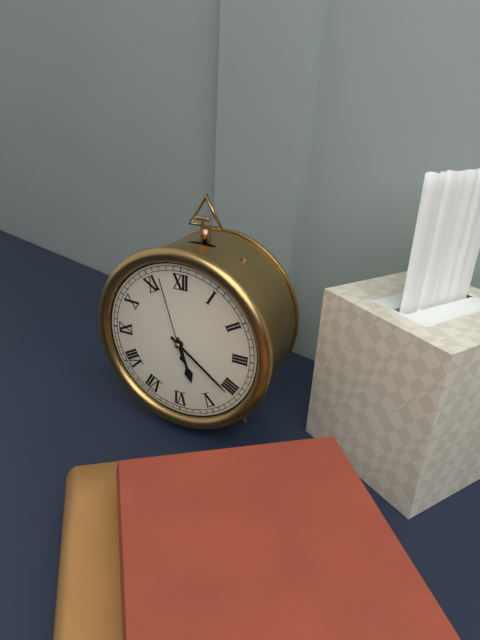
5.21.57
